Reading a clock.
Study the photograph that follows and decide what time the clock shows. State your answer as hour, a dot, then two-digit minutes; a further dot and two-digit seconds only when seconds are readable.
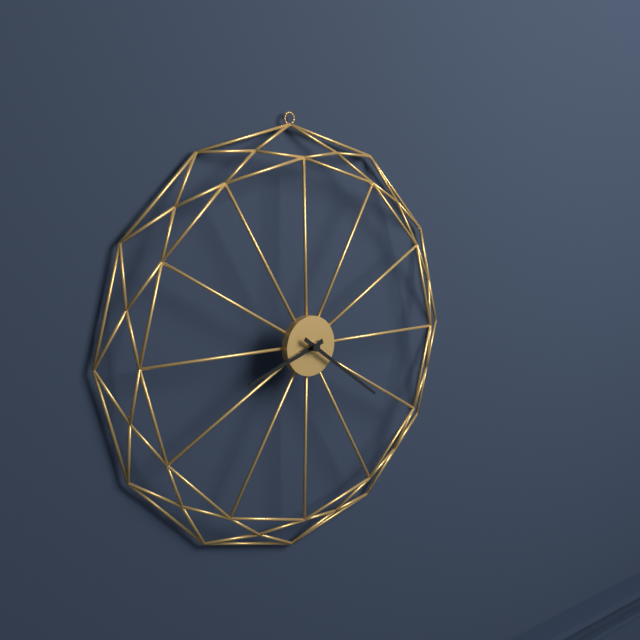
8.21
